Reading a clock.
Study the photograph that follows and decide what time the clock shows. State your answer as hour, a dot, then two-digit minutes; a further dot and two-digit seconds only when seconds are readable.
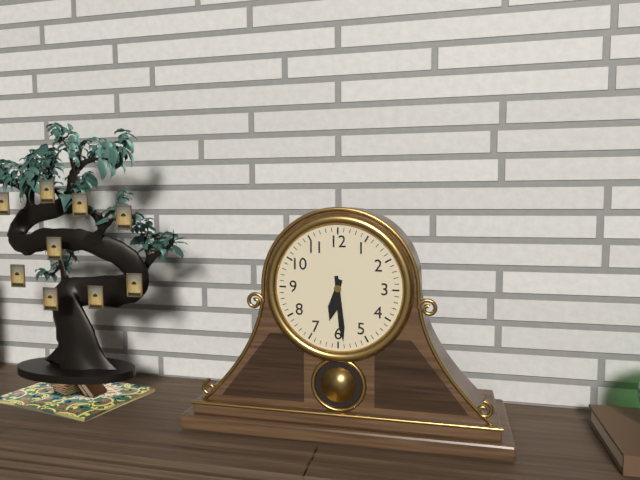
6.29
